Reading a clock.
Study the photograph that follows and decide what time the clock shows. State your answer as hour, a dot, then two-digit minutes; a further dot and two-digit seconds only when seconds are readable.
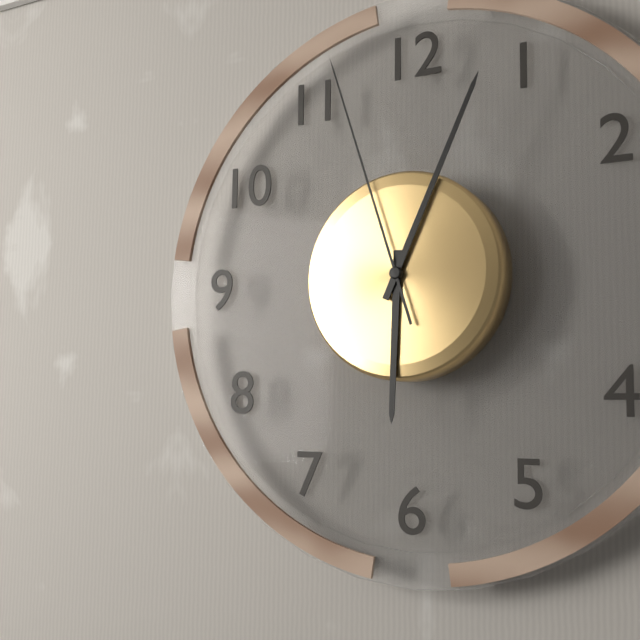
6.04.57
